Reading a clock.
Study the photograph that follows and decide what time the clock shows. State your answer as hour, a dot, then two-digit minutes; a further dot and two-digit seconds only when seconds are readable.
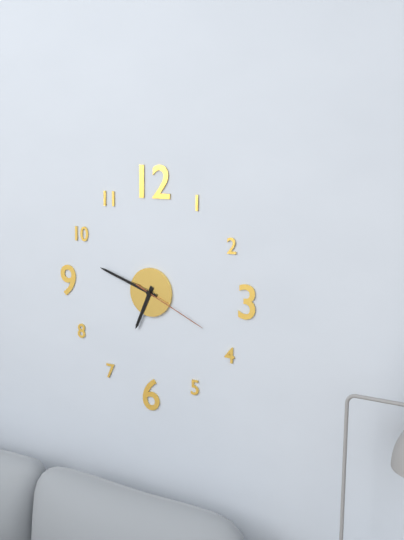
6.48.19
